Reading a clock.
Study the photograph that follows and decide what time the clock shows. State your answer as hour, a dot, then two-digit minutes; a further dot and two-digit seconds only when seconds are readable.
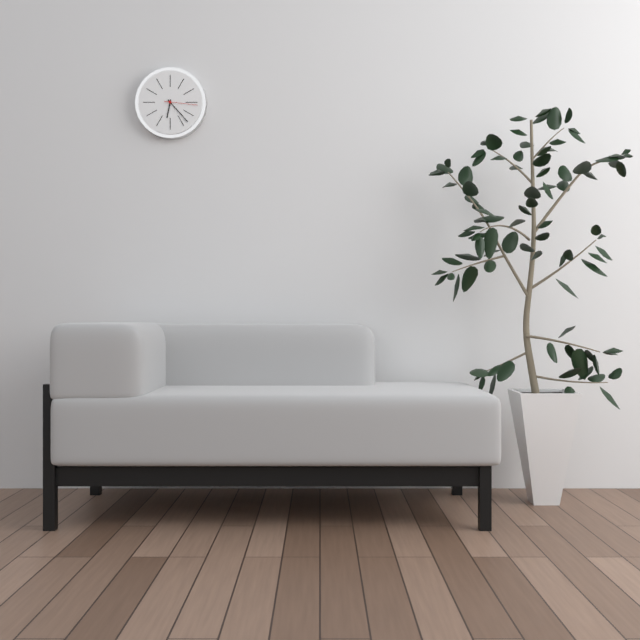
6.23
